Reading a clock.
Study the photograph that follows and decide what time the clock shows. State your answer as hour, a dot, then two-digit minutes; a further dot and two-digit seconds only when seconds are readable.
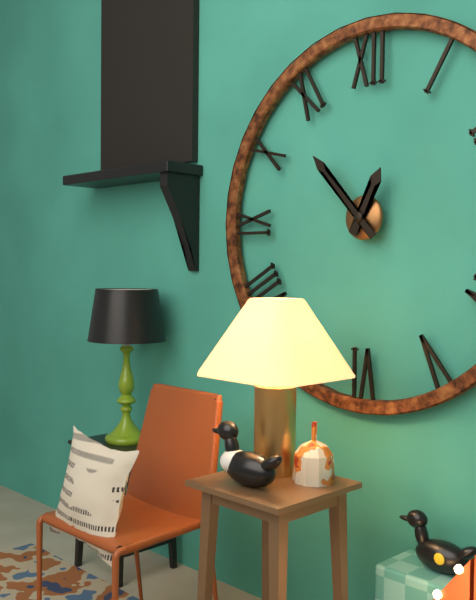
12.53
